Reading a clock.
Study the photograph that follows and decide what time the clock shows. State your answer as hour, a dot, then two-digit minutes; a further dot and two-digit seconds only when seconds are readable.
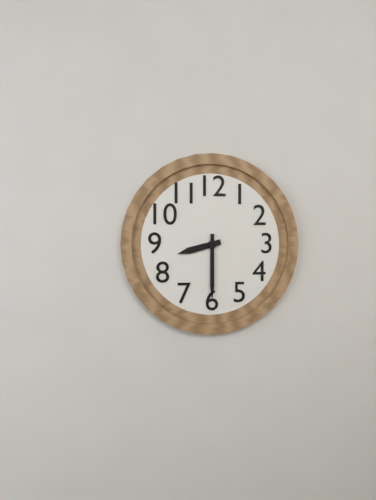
8.30
